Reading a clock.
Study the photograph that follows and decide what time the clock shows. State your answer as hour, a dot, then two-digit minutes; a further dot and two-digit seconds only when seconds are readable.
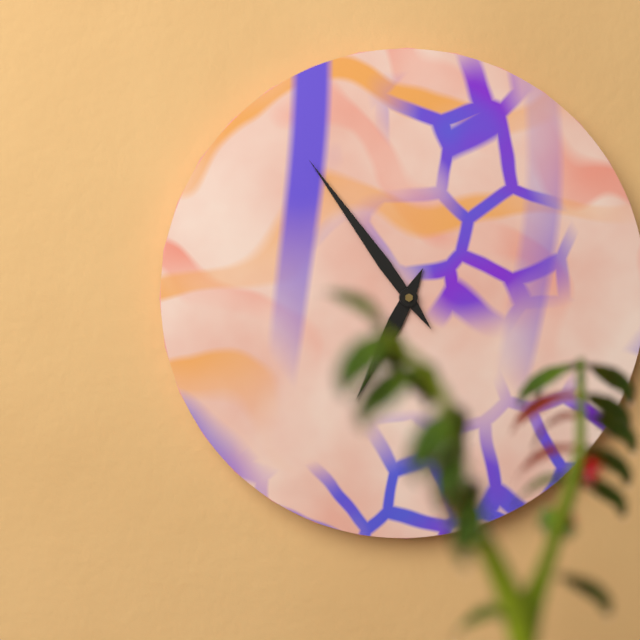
6.54
